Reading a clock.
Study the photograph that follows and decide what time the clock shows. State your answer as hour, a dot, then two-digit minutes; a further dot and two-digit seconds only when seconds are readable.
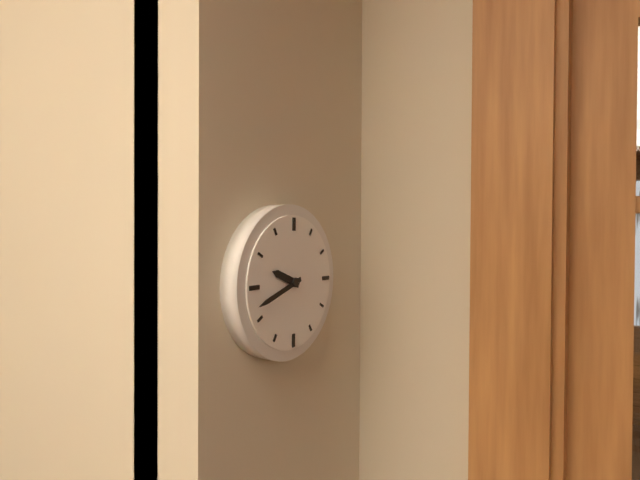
9.42
